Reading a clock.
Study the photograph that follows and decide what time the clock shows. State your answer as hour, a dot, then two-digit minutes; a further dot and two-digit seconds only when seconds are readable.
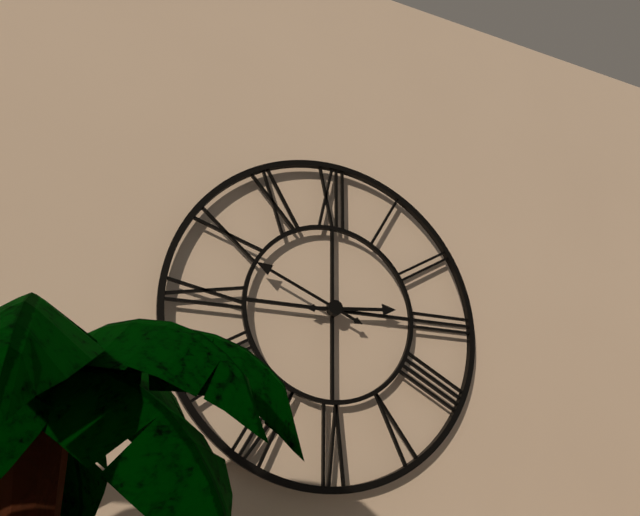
2.49
